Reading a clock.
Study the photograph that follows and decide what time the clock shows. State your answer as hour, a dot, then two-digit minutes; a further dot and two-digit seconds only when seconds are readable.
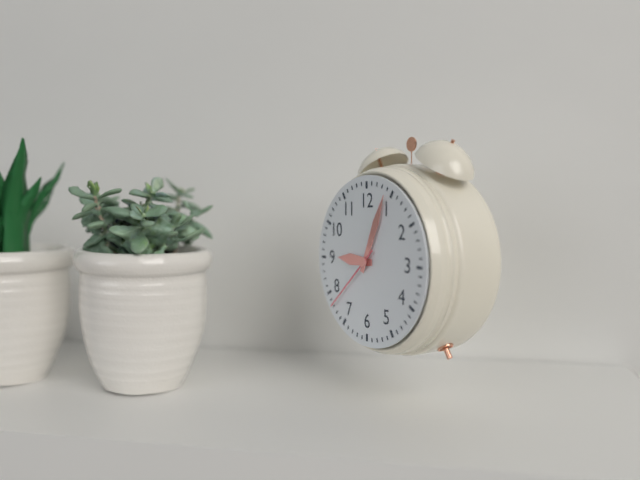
9.04.38
